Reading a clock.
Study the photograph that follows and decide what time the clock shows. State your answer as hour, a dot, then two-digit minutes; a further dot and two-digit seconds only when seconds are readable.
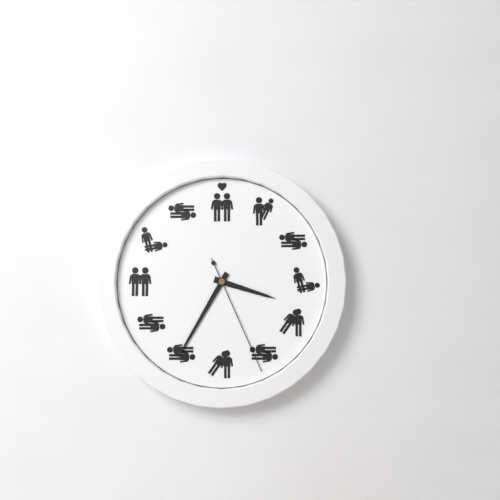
3.35.26
